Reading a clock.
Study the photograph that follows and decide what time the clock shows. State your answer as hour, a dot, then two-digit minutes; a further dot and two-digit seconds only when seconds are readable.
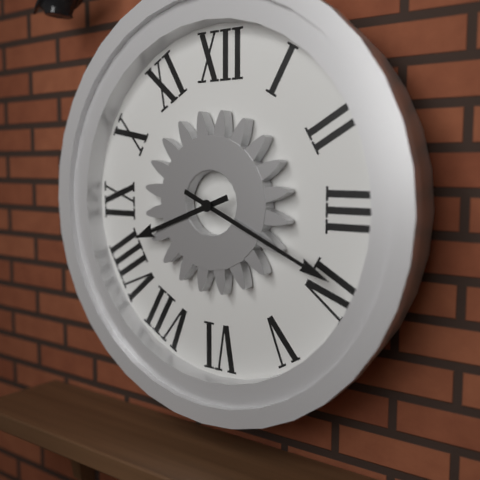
8.19
